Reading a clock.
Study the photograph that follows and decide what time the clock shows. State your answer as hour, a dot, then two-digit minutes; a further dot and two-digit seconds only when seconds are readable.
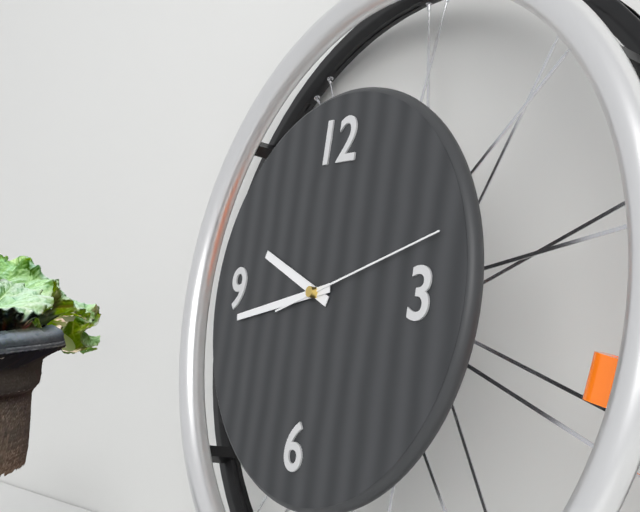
9.43.12
